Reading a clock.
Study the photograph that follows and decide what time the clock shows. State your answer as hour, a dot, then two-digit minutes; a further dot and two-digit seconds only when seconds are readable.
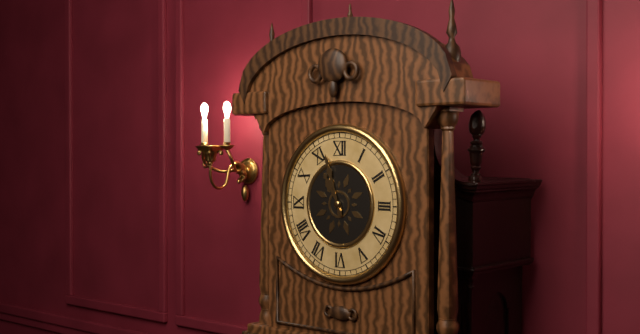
10.57
